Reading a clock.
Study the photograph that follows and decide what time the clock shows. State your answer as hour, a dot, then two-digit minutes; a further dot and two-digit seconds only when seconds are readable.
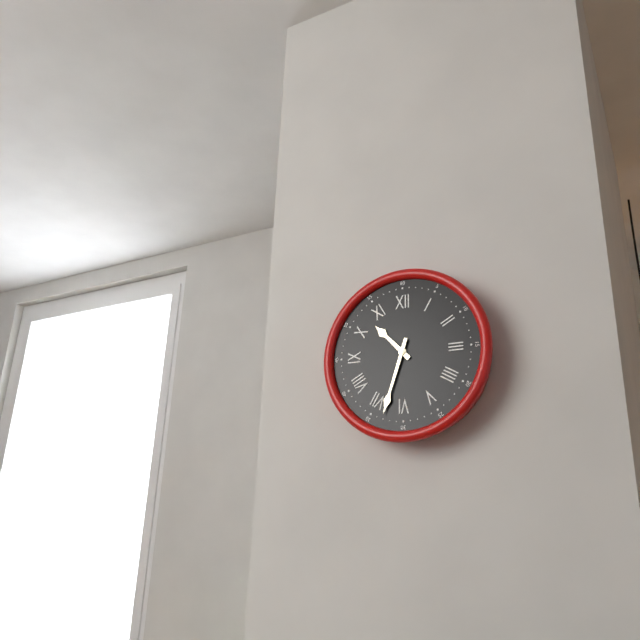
10.33
